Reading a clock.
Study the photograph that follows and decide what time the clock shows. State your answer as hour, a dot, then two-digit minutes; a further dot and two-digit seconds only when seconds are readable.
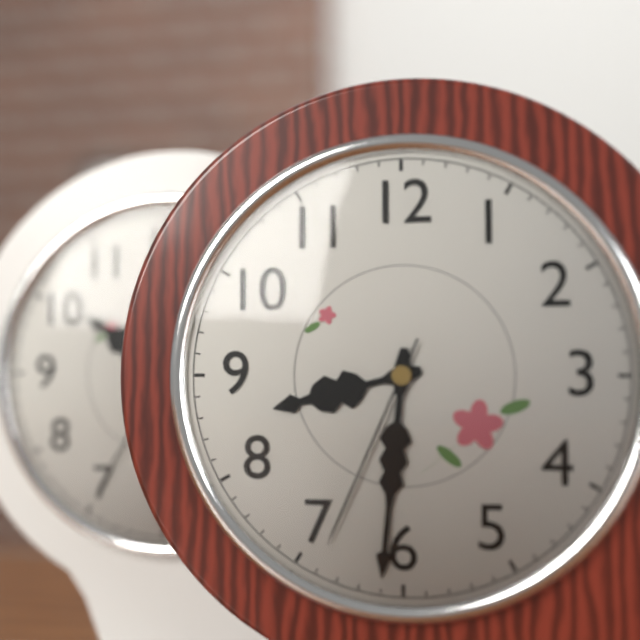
8.31.34
